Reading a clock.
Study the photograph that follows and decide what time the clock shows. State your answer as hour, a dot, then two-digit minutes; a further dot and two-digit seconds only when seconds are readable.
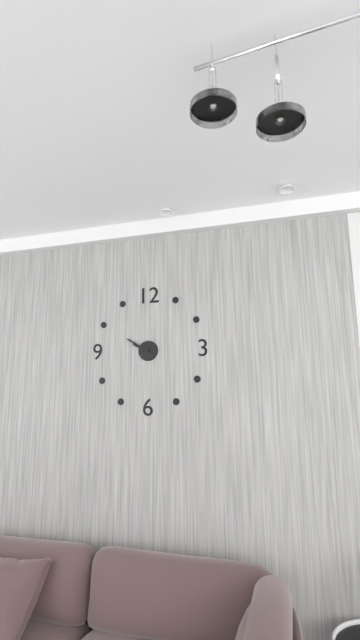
9.50
